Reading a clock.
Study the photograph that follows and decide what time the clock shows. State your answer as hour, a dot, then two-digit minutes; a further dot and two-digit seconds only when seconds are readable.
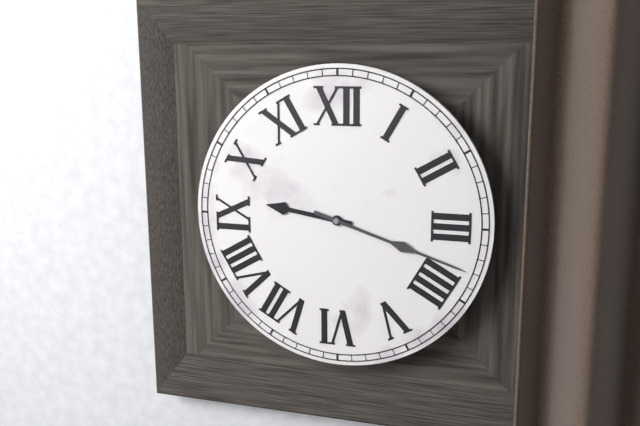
9.18
